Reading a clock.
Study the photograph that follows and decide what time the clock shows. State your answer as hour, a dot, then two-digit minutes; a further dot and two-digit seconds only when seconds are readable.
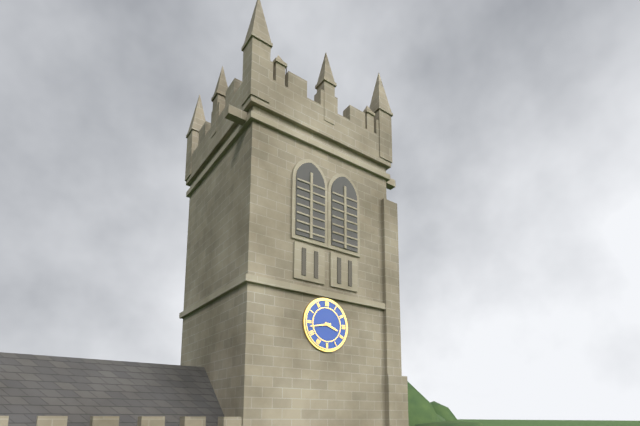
3.43
